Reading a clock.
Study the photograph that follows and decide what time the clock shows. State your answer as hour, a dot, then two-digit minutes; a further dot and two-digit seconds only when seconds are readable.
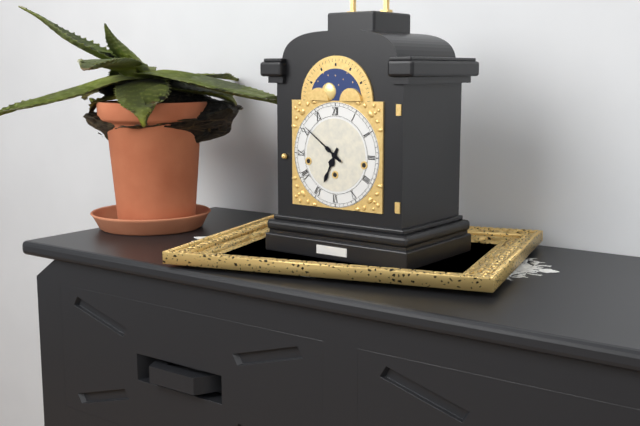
6.51
